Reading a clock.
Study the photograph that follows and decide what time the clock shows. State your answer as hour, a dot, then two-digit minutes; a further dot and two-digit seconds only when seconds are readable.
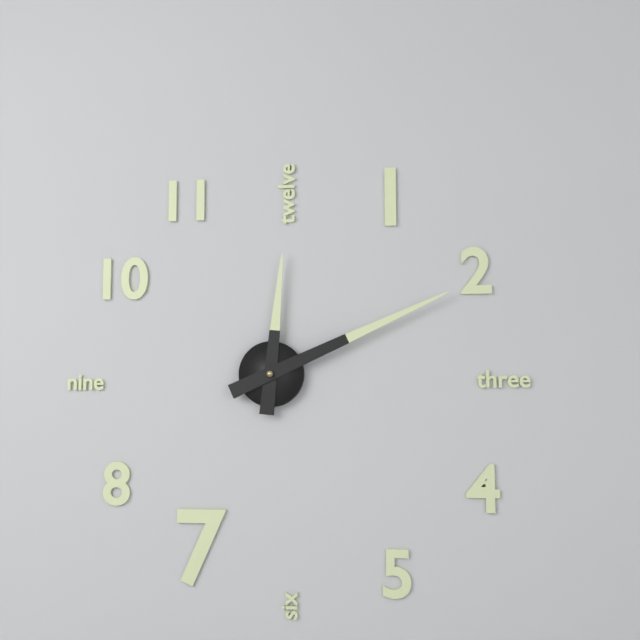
12.11
